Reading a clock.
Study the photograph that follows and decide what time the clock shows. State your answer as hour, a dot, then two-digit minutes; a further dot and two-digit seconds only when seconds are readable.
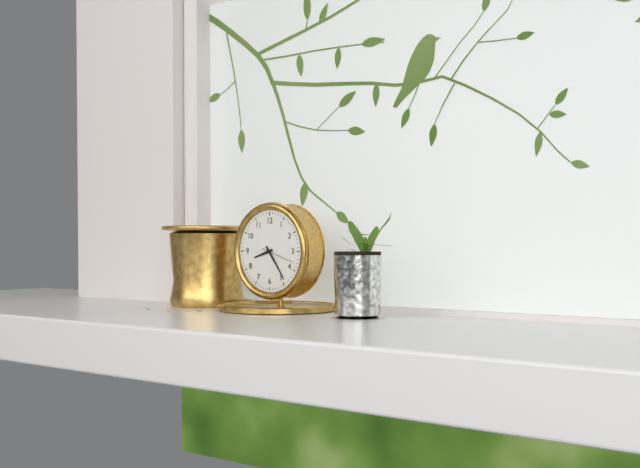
8.24
